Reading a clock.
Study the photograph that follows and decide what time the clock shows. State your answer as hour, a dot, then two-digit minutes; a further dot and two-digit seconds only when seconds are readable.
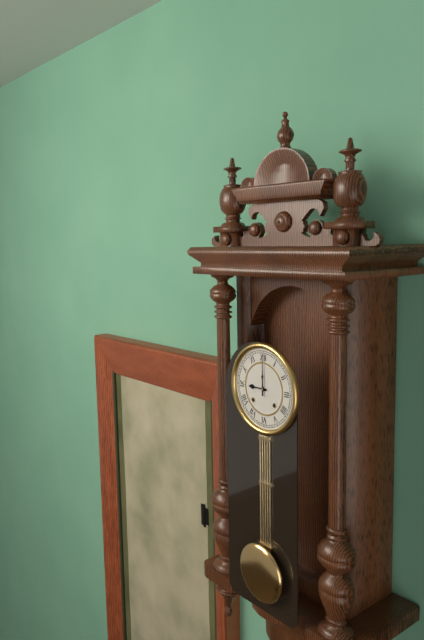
9.00
